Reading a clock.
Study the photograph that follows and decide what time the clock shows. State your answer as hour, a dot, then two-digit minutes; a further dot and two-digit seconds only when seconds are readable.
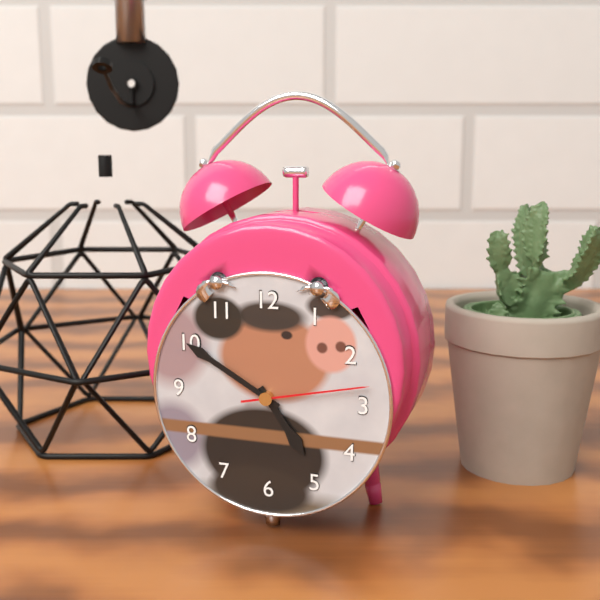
4.50.13
